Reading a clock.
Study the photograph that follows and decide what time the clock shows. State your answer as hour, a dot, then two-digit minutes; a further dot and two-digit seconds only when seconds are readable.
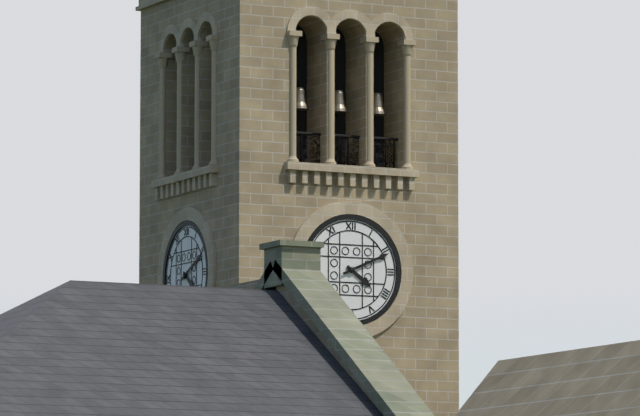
4.11
